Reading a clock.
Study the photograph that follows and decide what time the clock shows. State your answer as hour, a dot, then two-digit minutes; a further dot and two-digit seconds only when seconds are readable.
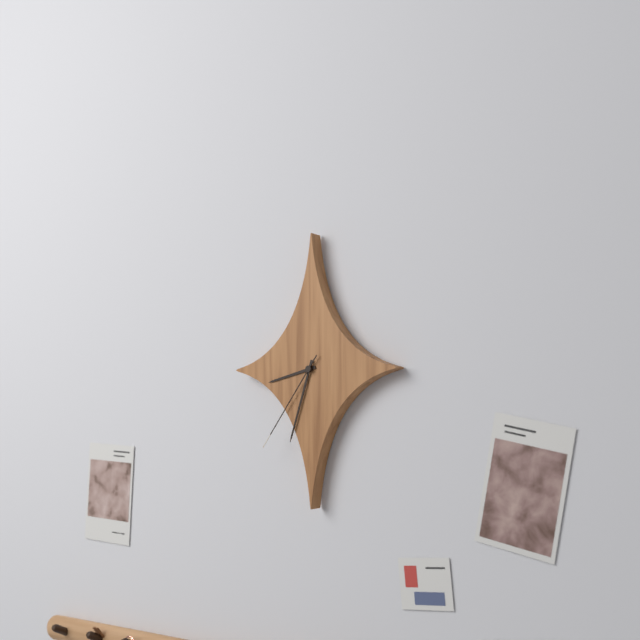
8.33.36
